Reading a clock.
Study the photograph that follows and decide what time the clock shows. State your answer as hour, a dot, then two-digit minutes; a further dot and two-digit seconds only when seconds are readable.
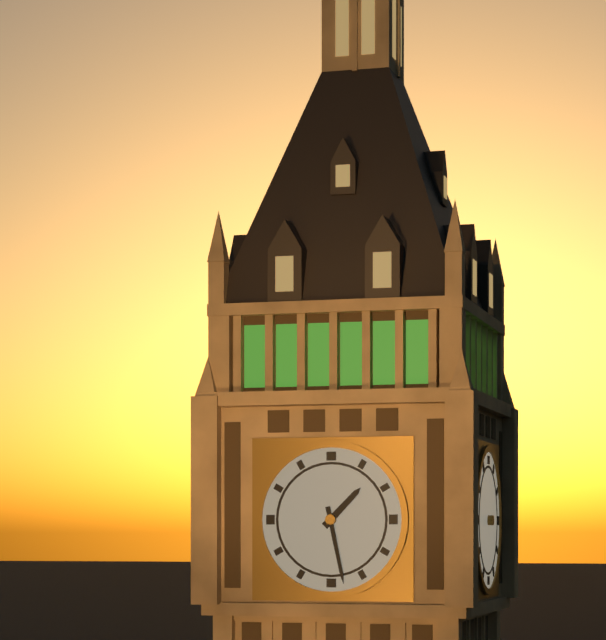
1.28
